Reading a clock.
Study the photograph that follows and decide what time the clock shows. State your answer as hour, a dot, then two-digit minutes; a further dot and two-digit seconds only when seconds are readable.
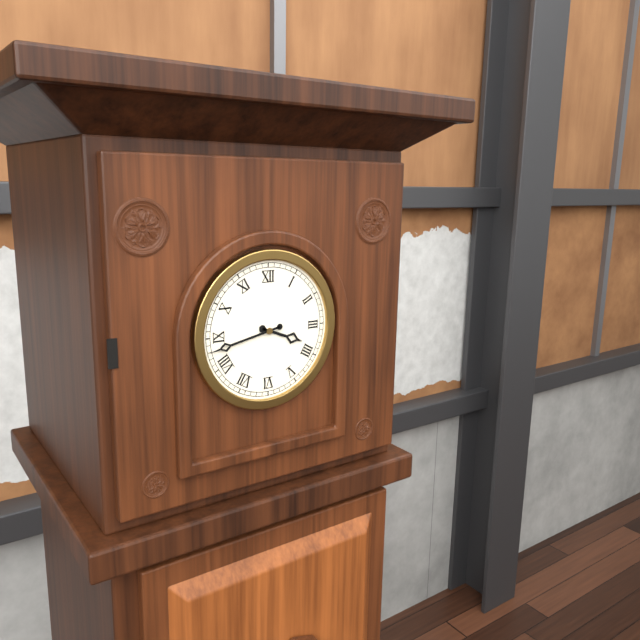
3.43
